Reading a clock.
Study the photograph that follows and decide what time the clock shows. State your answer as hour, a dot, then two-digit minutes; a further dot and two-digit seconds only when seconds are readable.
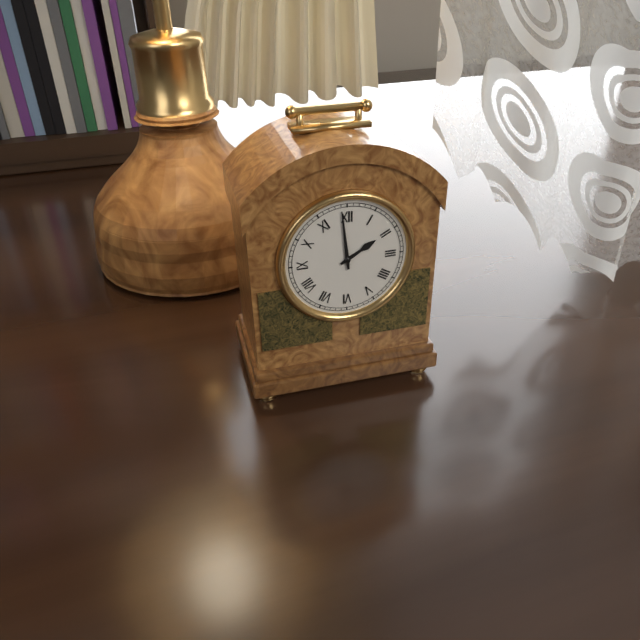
1.59
